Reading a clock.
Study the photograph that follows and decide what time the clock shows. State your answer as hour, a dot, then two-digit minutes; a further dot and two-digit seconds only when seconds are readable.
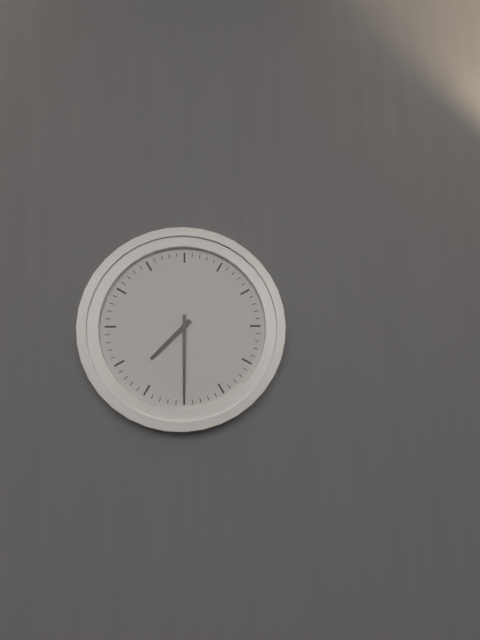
7.30
